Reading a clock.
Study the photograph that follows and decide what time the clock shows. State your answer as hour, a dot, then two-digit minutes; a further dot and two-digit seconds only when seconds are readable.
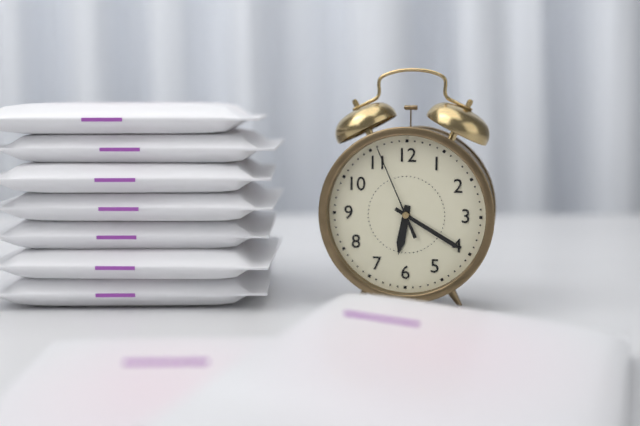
6.20.56
